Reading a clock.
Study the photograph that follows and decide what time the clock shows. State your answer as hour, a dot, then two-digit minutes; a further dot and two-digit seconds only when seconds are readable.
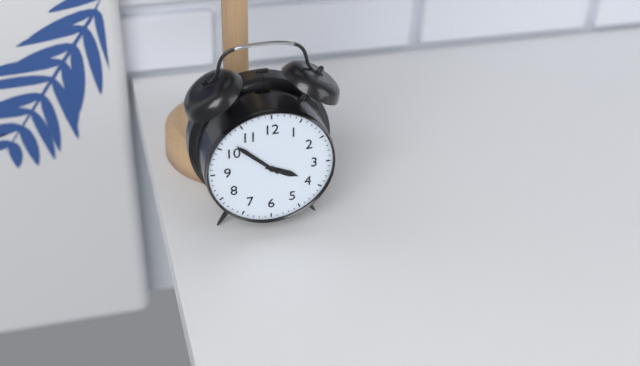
3.52
